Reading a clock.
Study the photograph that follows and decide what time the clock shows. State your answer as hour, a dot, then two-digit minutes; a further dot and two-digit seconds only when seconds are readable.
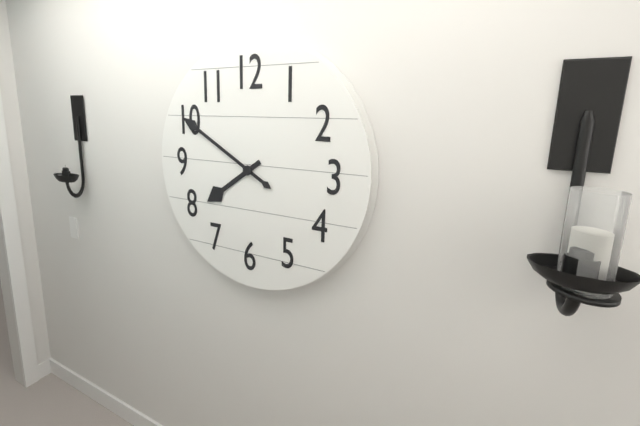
7.50
